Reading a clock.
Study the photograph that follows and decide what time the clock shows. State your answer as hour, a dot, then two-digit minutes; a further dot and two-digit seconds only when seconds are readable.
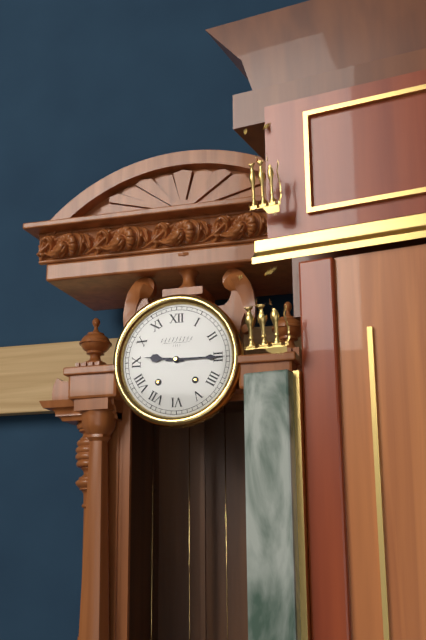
9.15
